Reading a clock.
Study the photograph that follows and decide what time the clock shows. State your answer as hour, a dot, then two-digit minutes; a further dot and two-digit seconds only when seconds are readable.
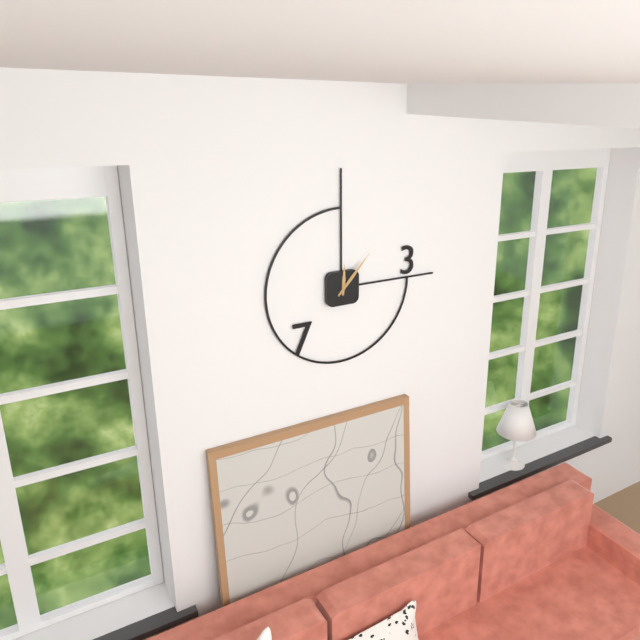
12.07
